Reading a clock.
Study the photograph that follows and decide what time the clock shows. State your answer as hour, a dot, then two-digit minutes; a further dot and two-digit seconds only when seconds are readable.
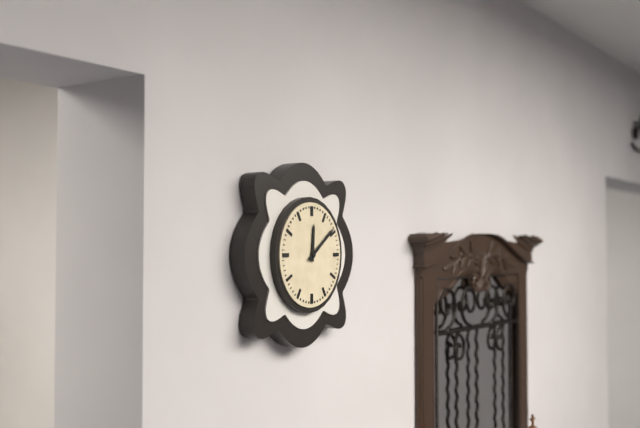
12.09
